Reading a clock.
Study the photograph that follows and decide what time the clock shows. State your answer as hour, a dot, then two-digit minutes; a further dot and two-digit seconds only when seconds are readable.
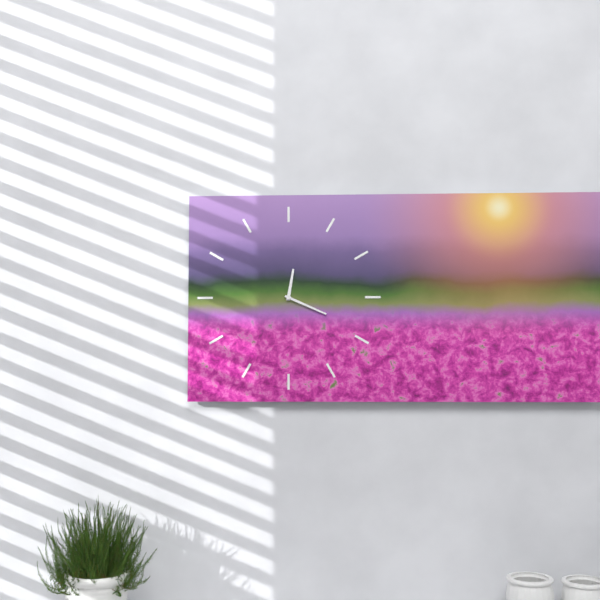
12.19
